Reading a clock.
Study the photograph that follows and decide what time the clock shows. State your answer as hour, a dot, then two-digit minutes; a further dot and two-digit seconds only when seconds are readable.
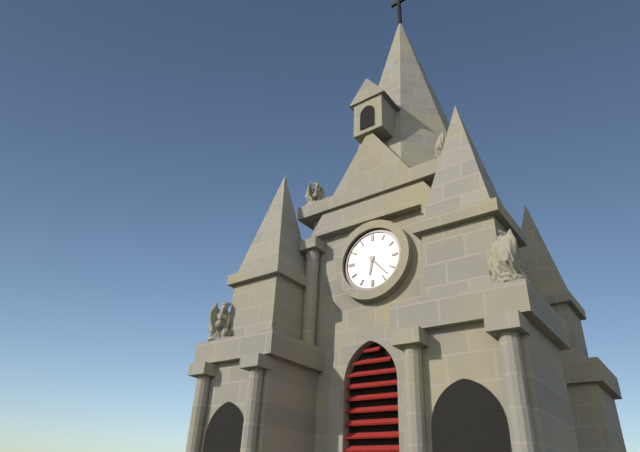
6.23
